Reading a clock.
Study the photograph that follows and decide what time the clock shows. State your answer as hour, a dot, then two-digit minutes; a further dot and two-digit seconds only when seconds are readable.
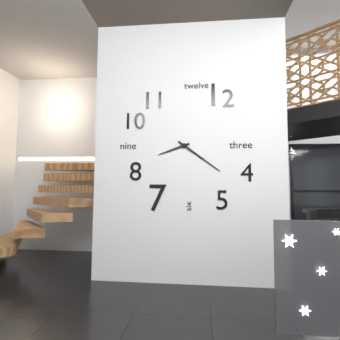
8.21
